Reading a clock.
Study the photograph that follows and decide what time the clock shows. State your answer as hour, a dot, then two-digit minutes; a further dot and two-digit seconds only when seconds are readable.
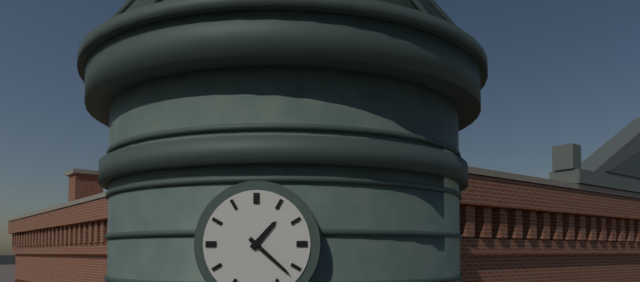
1.22
